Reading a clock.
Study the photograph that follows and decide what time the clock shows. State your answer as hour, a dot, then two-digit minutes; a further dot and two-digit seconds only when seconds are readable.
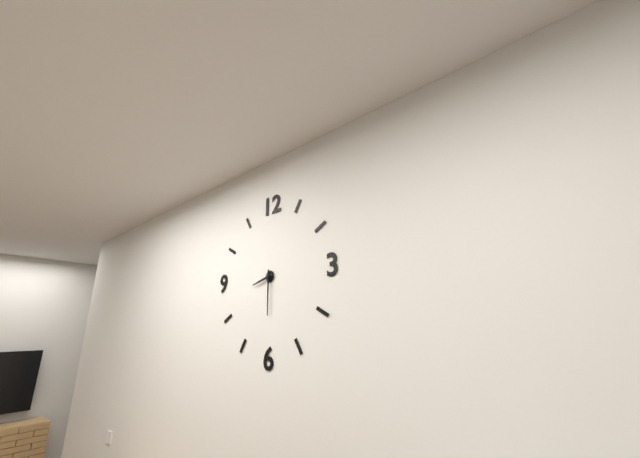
8.30
